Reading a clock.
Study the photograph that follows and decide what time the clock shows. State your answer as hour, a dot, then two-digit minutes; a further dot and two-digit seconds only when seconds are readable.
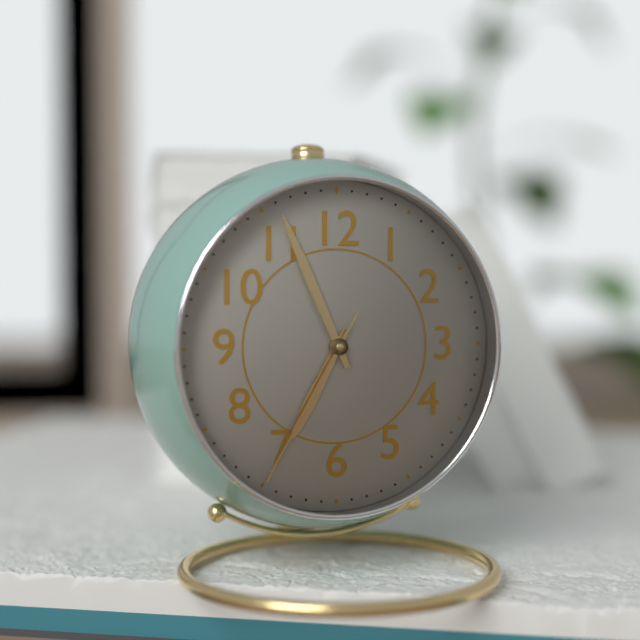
6.56.35
